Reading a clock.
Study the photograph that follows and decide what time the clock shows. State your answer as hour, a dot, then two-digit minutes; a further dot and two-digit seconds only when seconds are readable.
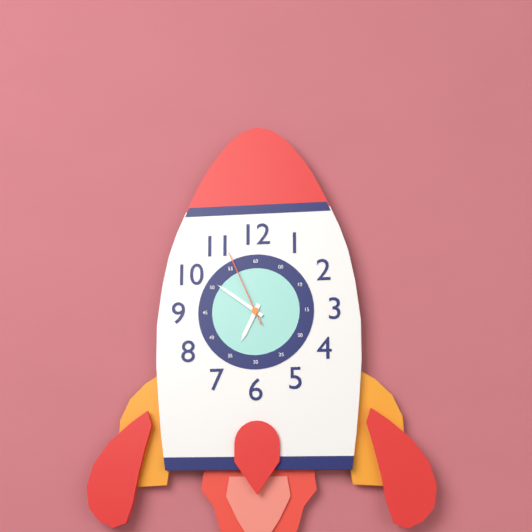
6.51.56
